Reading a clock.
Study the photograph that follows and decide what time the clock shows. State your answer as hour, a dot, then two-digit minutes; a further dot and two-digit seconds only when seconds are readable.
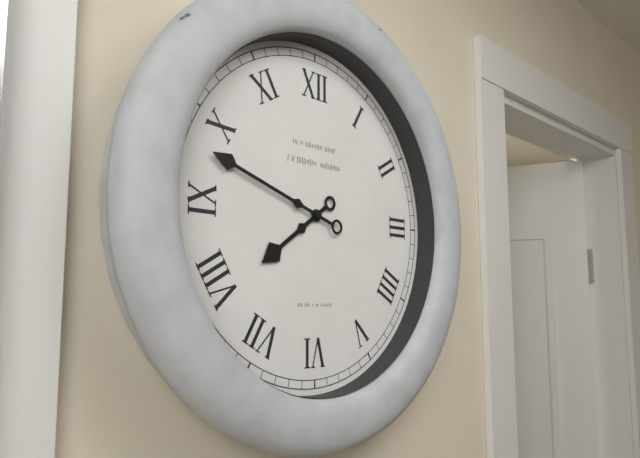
7.48
